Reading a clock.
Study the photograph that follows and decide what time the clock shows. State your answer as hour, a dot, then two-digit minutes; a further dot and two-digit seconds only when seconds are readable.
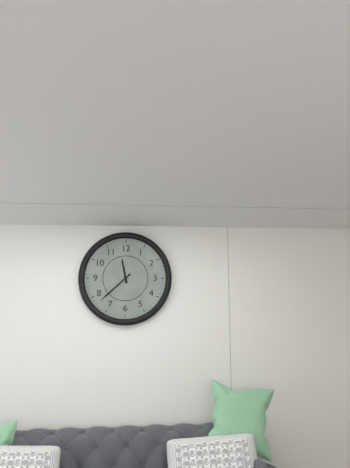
11.38
